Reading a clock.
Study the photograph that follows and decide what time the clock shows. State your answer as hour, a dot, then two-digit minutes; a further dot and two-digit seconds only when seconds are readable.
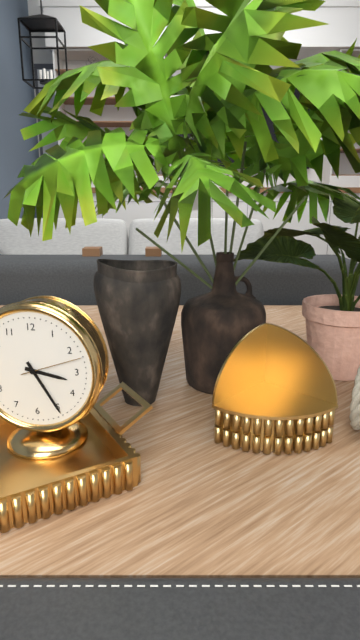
3.25.12
